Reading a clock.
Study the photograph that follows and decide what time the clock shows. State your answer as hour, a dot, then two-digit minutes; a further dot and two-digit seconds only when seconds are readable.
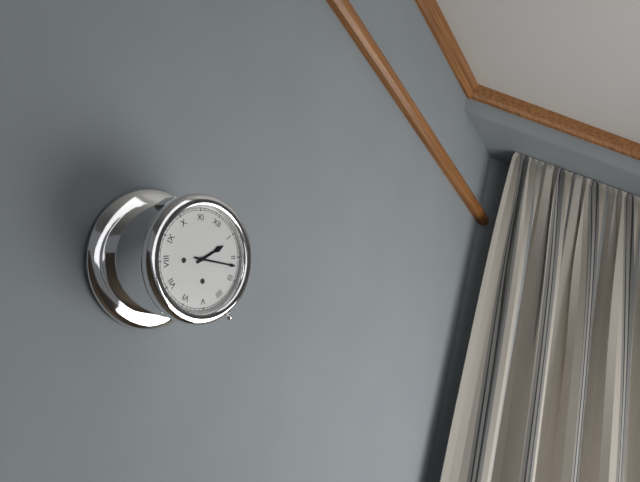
1.12
